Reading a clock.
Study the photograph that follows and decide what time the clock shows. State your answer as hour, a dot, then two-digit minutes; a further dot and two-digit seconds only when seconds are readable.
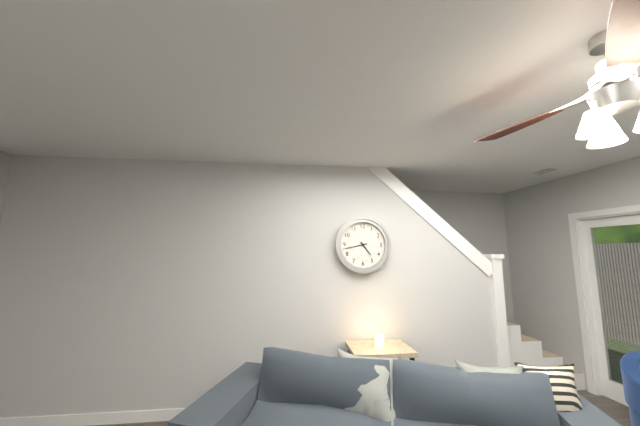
4.43
